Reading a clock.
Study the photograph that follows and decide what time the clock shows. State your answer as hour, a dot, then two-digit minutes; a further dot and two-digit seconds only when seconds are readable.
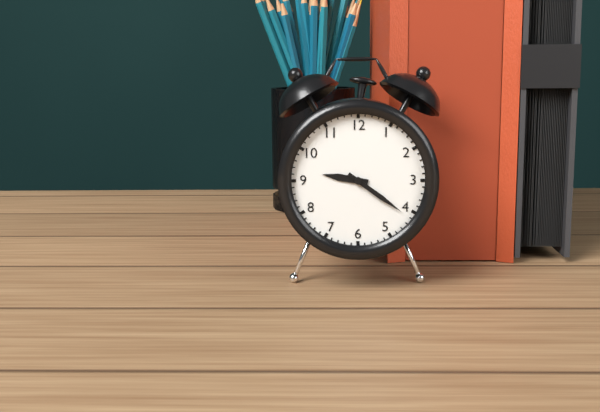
9.21
